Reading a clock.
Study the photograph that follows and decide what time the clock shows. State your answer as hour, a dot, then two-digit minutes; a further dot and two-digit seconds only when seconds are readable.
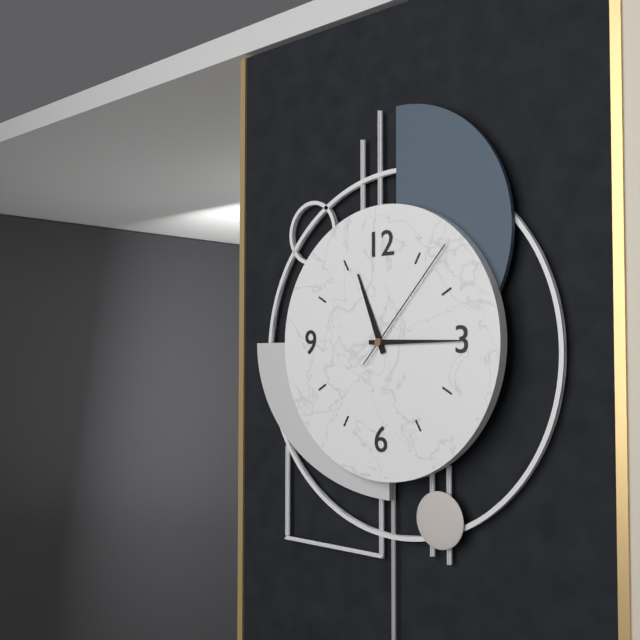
11.15.07
